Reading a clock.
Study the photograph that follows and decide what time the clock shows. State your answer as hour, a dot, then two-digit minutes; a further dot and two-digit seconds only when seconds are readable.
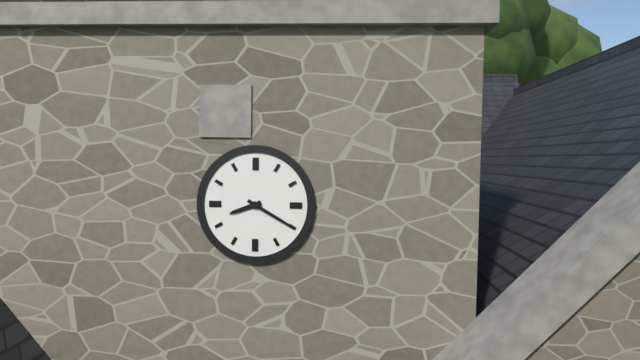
8.20
